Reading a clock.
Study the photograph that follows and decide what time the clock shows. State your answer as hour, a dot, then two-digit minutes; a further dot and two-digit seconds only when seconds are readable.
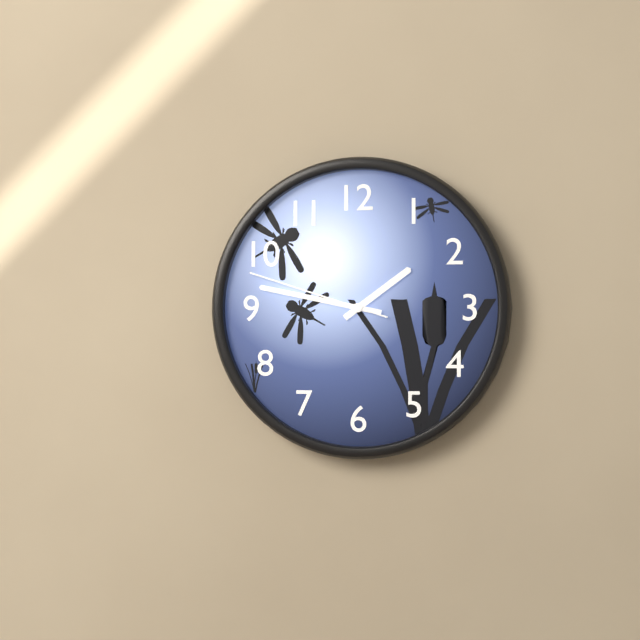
1.47.48
